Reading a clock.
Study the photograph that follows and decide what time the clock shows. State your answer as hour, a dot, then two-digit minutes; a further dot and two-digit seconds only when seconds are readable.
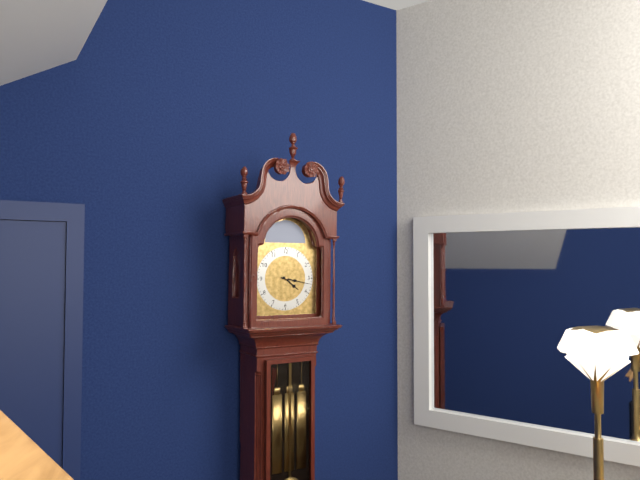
4.17
